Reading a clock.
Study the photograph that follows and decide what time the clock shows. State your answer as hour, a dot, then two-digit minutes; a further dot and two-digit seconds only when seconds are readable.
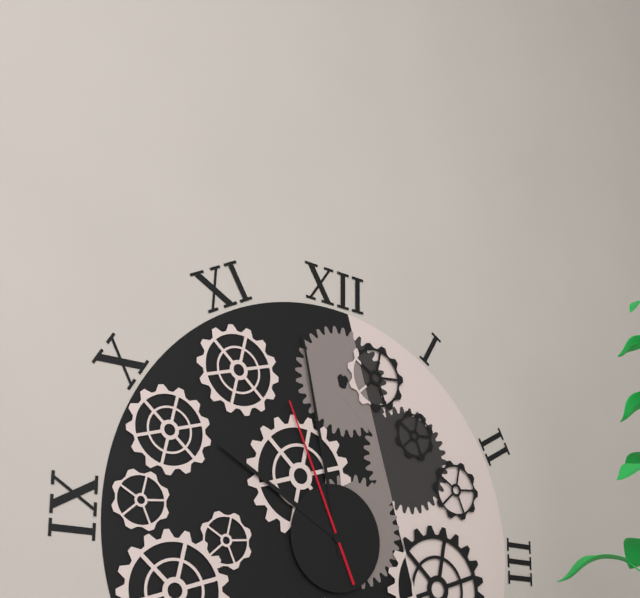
9.58.56
